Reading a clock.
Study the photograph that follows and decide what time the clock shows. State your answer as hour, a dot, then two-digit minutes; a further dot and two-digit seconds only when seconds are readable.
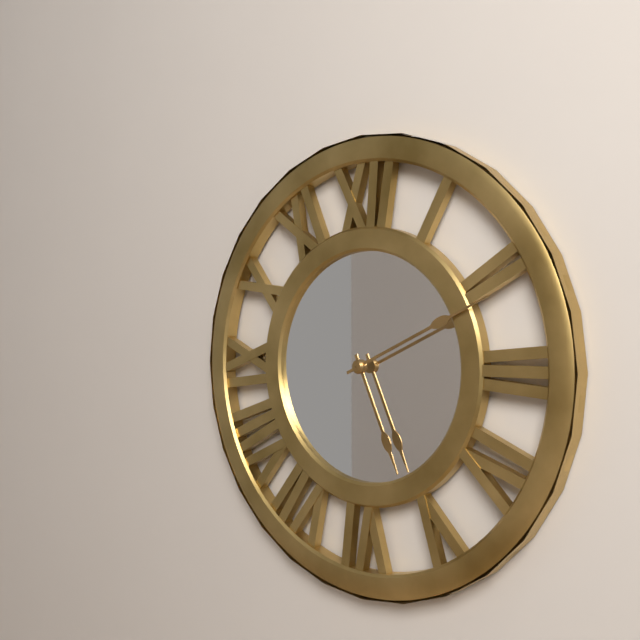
5.11
